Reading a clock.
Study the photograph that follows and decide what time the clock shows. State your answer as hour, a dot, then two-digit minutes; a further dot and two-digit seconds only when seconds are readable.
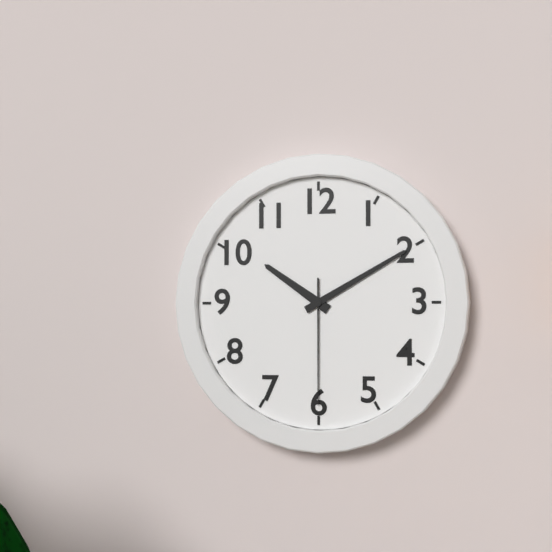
10.10.30
